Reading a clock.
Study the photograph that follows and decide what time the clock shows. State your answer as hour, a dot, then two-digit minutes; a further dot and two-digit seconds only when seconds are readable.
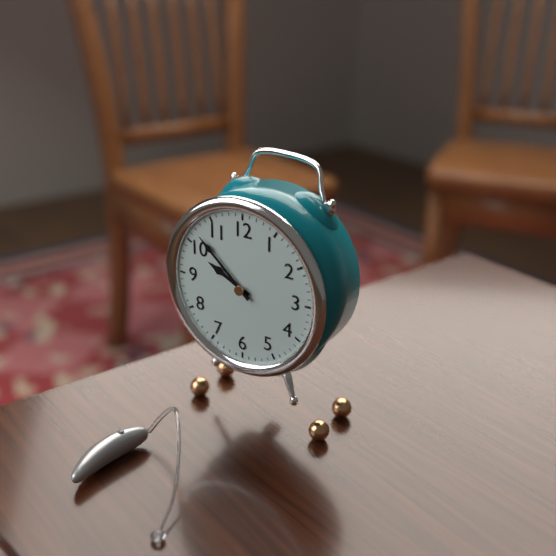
9.52
